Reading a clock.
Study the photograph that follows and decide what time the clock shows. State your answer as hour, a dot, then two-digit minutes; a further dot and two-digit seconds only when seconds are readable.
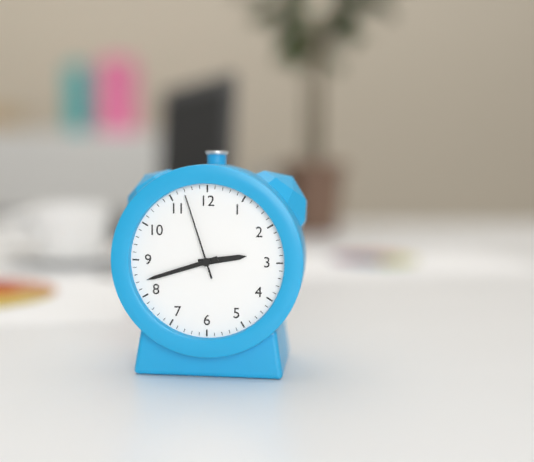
2.42.57
